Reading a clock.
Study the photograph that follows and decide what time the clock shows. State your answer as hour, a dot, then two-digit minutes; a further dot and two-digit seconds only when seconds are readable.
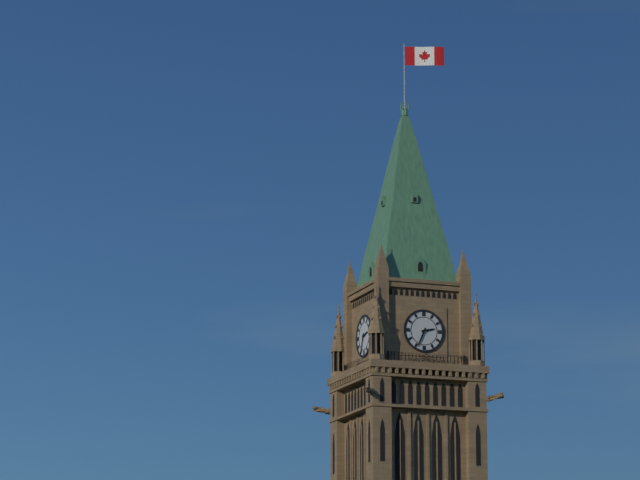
2.34
